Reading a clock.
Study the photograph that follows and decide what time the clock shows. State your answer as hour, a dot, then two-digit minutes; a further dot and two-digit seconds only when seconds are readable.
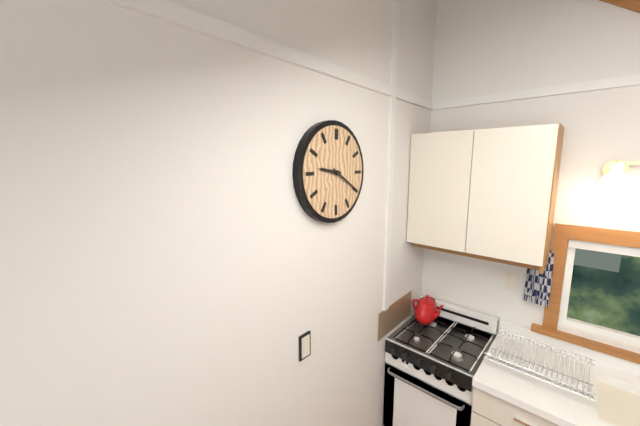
9.20
